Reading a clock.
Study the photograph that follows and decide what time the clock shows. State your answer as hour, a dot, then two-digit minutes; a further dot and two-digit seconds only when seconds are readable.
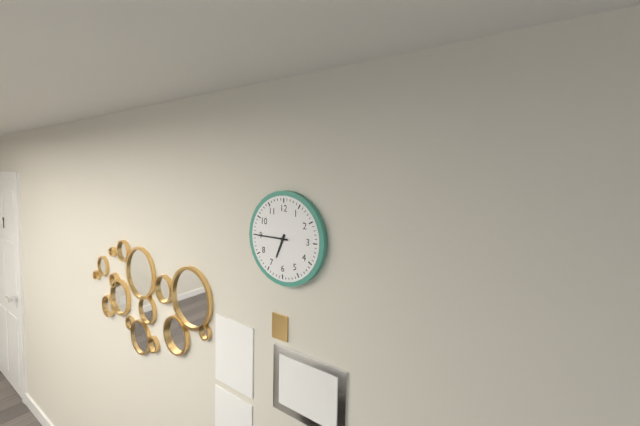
6.45
